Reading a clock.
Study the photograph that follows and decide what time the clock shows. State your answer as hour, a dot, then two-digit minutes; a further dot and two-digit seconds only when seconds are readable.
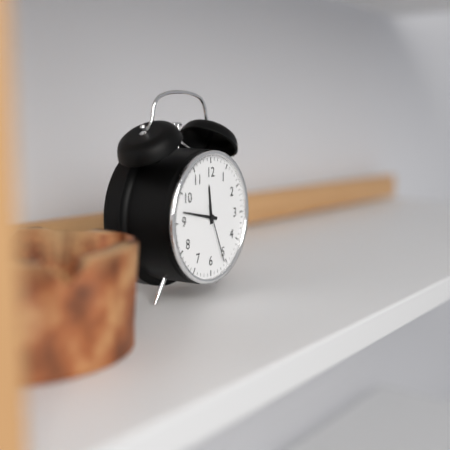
11.47.26
